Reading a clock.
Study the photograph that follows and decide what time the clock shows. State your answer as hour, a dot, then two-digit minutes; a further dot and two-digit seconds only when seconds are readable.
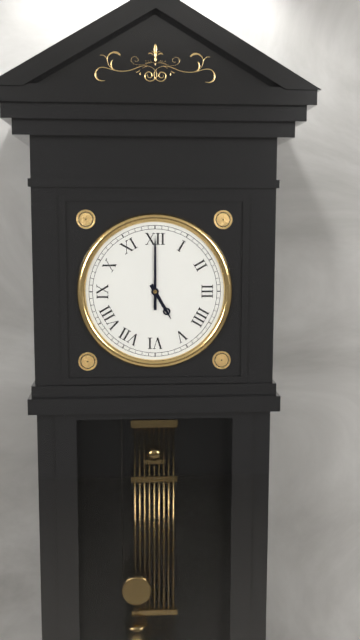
5.00
